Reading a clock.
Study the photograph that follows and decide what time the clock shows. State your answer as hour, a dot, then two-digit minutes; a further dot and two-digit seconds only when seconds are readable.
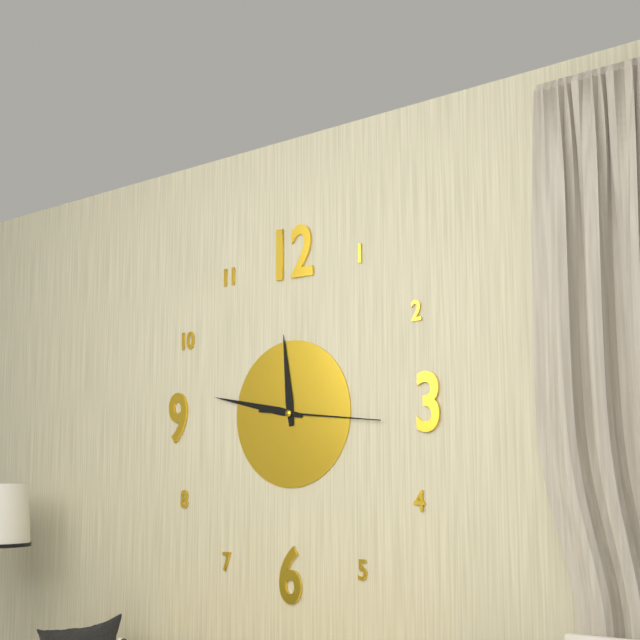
11.47.16
